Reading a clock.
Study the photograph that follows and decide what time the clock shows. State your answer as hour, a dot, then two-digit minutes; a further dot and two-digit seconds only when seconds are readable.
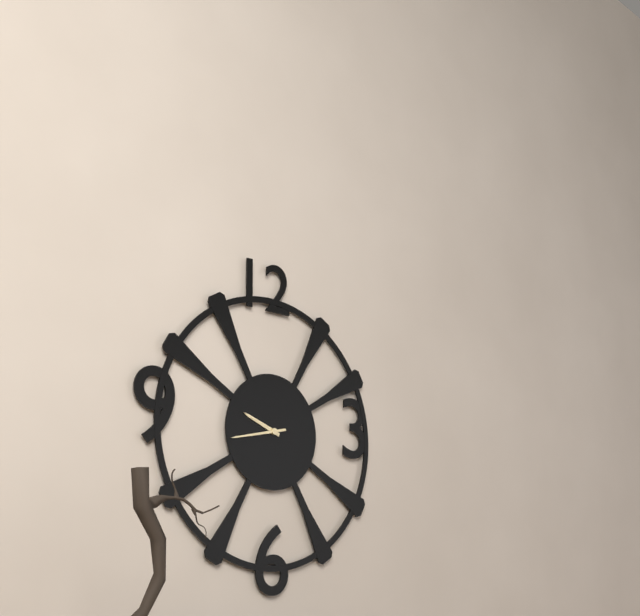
9.43
